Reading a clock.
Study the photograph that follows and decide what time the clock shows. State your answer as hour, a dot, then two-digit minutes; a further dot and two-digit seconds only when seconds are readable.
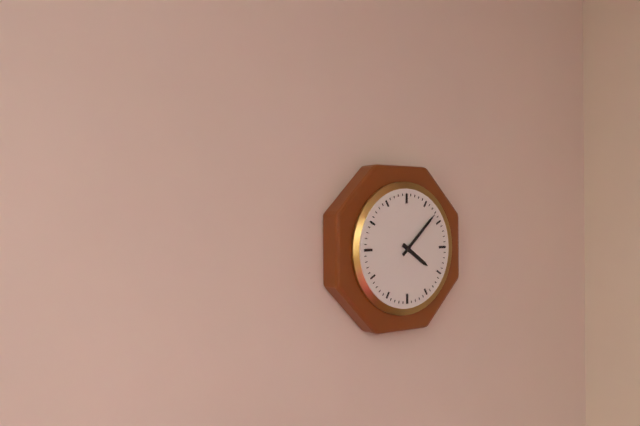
4.08
